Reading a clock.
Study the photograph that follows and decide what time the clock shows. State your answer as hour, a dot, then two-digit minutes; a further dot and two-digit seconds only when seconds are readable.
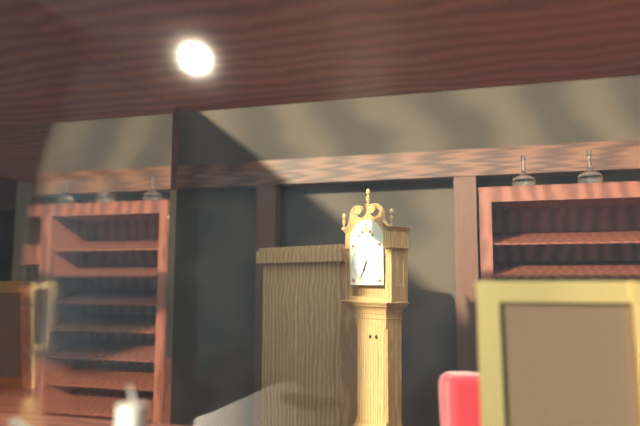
6.34
